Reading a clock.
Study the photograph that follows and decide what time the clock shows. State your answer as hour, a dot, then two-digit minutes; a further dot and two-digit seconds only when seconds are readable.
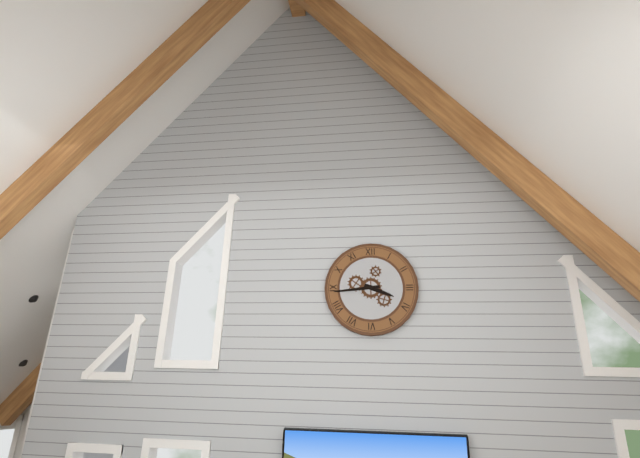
3.44
